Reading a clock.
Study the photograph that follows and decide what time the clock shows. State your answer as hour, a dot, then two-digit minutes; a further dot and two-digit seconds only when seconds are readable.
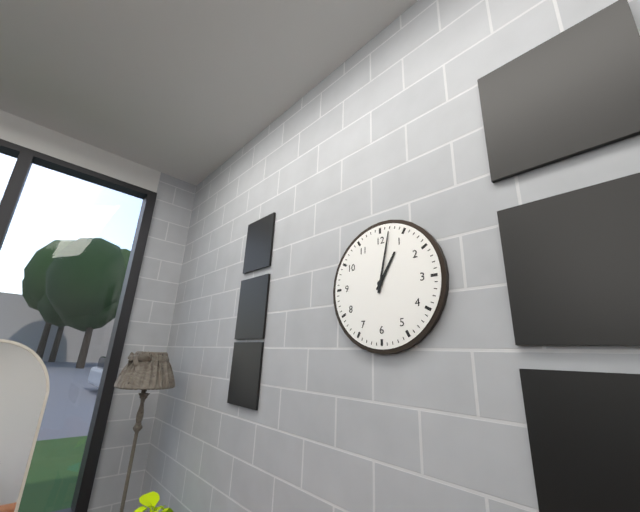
1.02
